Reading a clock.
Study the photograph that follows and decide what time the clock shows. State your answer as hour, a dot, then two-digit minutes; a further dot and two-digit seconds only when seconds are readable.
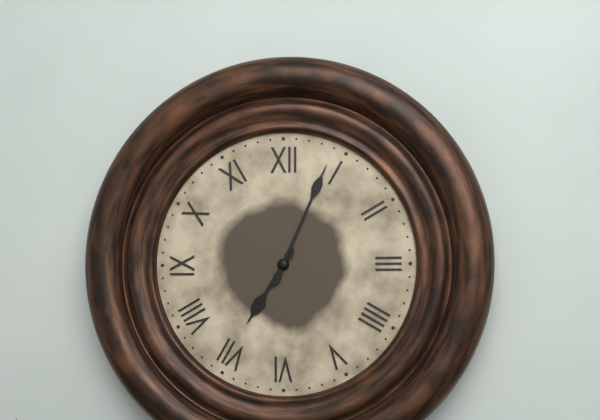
7.04
